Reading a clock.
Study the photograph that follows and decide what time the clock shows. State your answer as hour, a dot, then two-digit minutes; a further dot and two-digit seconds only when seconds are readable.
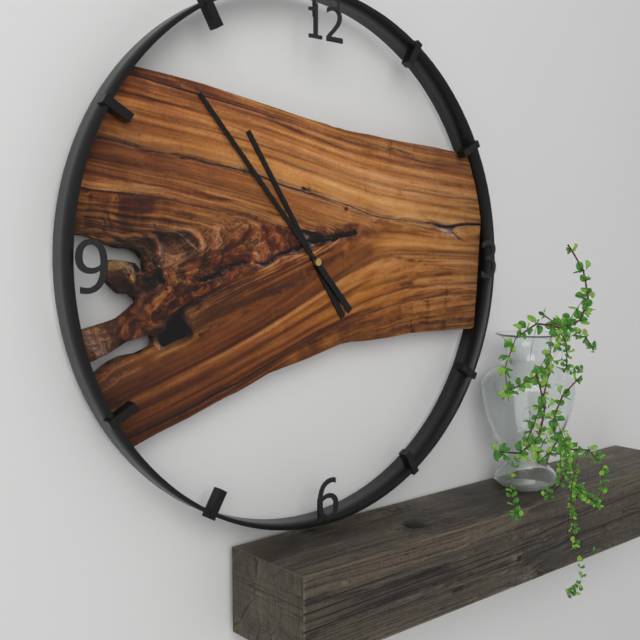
10.53
